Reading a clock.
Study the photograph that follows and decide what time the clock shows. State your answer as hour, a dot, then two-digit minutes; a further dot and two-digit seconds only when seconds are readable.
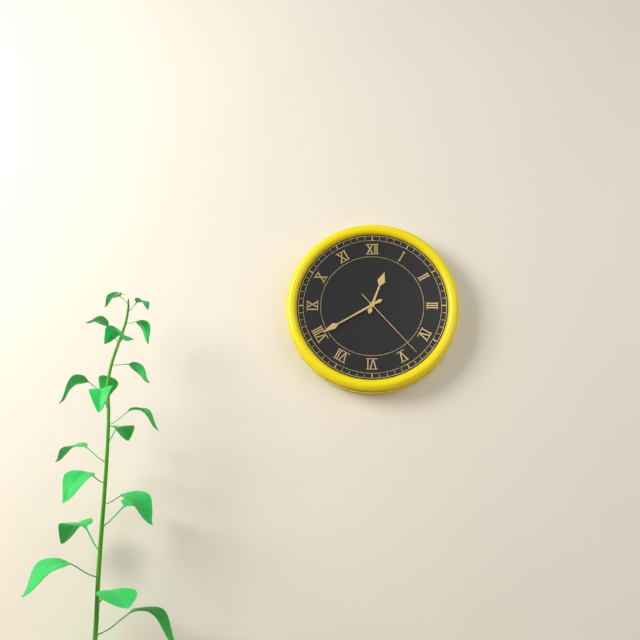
12.40.23
